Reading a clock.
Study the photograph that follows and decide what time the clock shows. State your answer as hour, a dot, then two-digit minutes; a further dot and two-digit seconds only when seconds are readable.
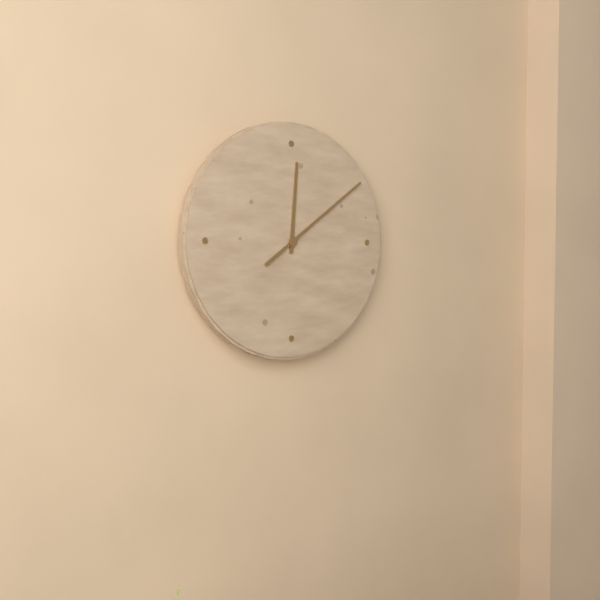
12.09
